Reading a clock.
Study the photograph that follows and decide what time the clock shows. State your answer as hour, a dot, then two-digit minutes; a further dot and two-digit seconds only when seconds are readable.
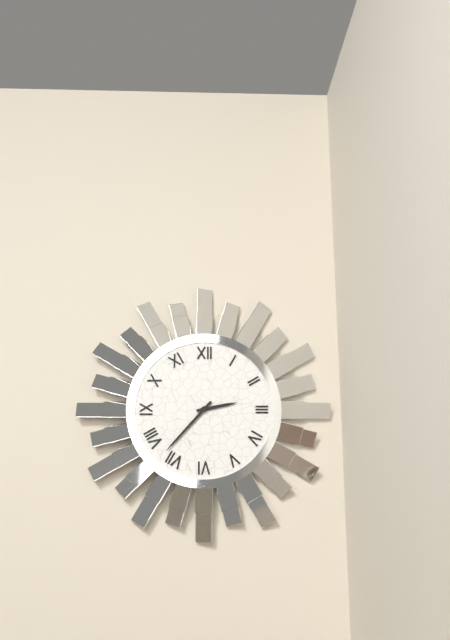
2.37
